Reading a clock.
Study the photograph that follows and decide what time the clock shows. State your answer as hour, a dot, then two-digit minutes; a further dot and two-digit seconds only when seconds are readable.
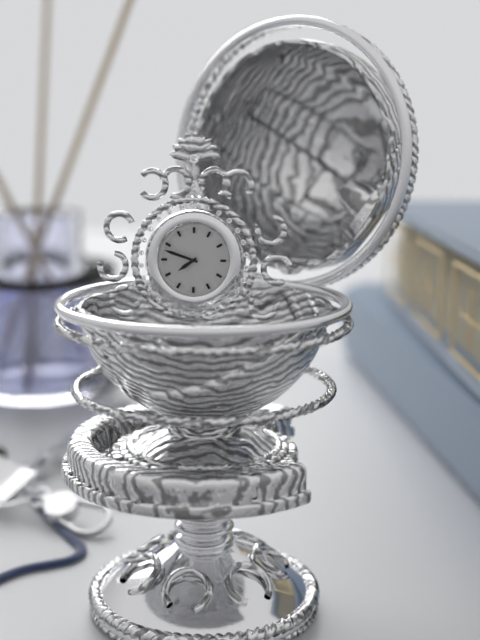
7.48
